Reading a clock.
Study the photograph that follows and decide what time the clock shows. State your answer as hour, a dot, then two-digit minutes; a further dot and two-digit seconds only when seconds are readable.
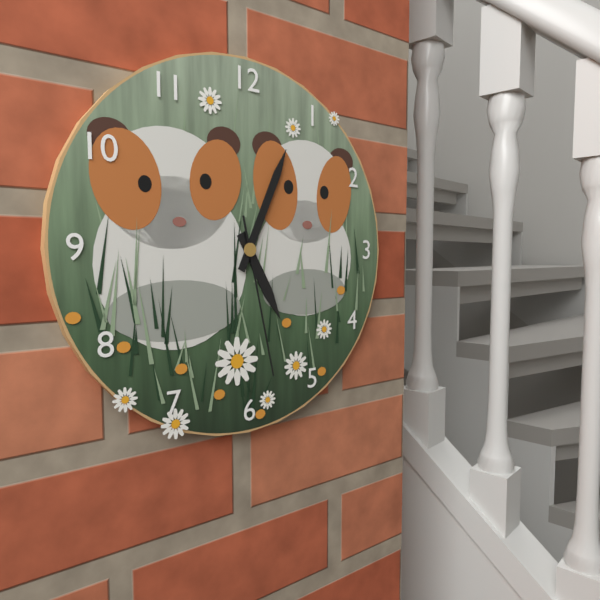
5.04.28
